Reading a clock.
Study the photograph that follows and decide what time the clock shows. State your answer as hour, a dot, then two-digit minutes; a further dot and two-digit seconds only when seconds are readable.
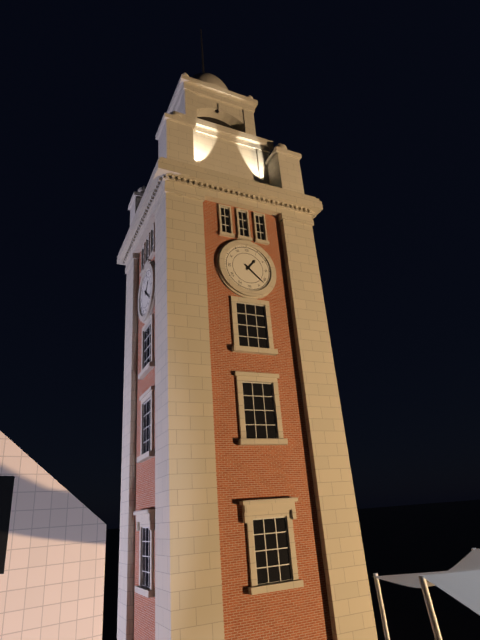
1.22
